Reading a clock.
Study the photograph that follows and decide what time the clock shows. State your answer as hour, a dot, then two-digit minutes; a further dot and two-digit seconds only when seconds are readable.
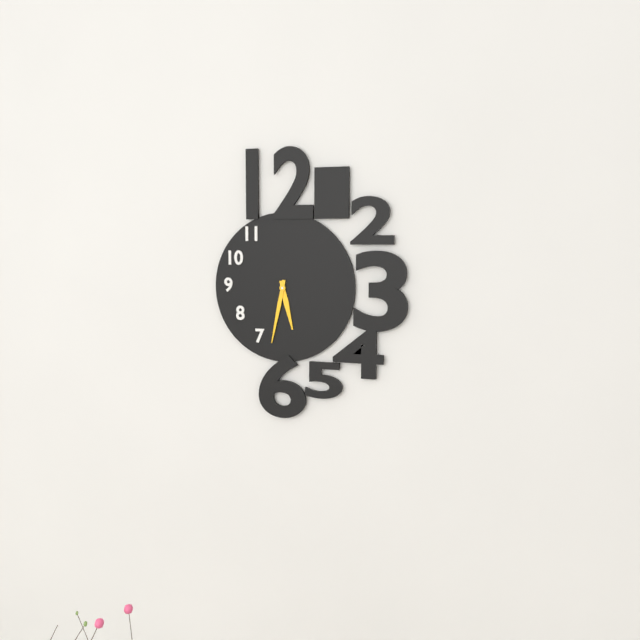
5.32
